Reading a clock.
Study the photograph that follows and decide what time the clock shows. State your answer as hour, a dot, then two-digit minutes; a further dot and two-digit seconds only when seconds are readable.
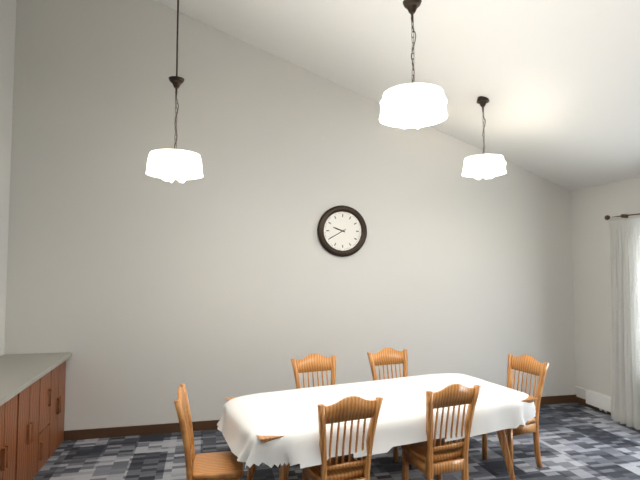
9.40
